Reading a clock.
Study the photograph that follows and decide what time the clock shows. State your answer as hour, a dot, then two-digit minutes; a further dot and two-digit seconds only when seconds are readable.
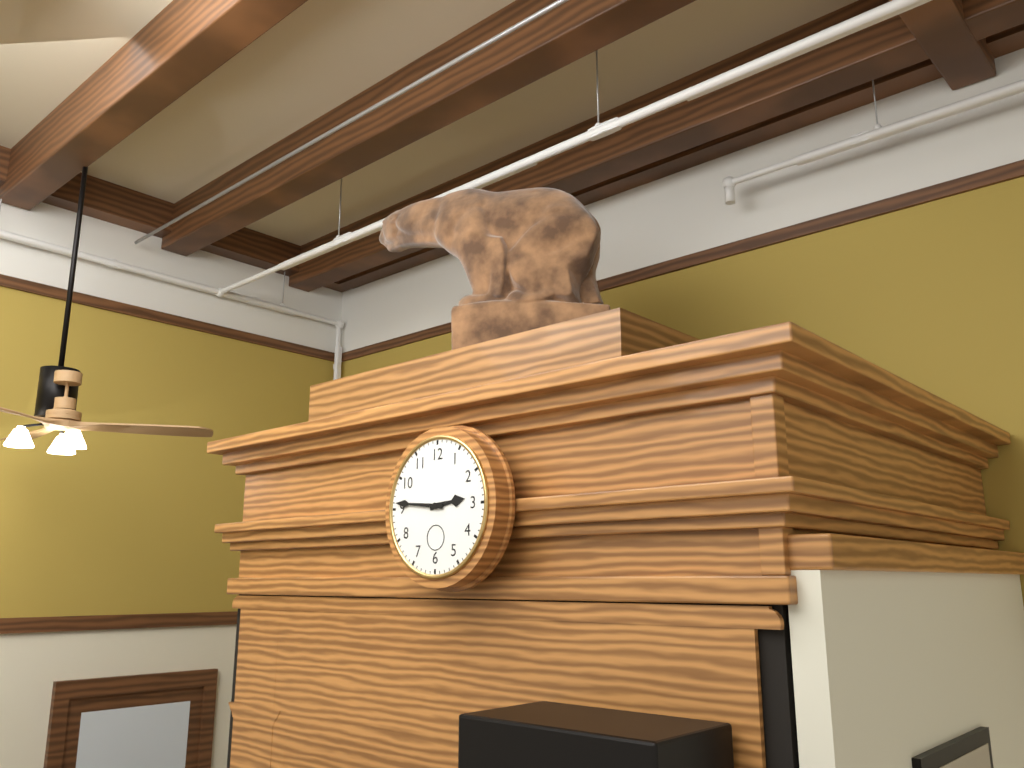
2.46
